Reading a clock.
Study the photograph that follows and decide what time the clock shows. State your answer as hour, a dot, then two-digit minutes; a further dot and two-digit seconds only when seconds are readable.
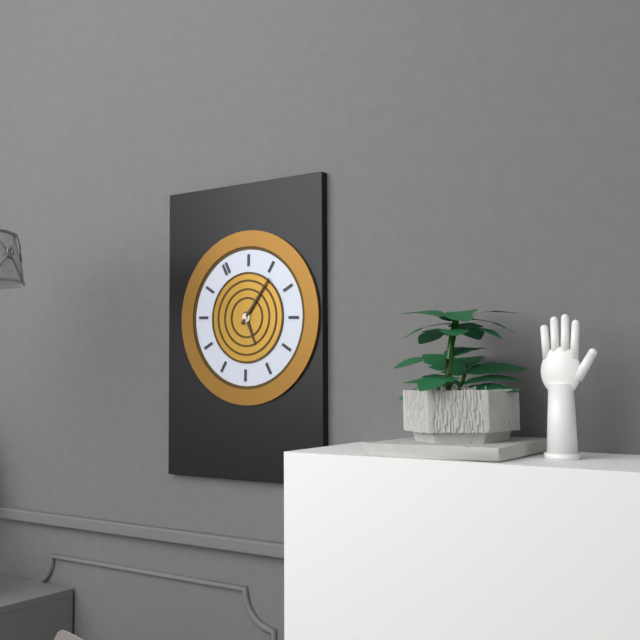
6.11
